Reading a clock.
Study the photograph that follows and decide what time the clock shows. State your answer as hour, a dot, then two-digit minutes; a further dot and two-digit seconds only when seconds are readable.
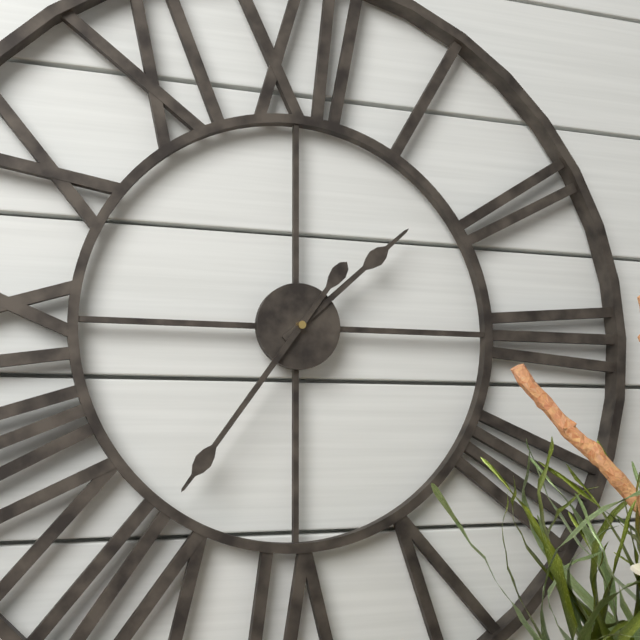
1.36
